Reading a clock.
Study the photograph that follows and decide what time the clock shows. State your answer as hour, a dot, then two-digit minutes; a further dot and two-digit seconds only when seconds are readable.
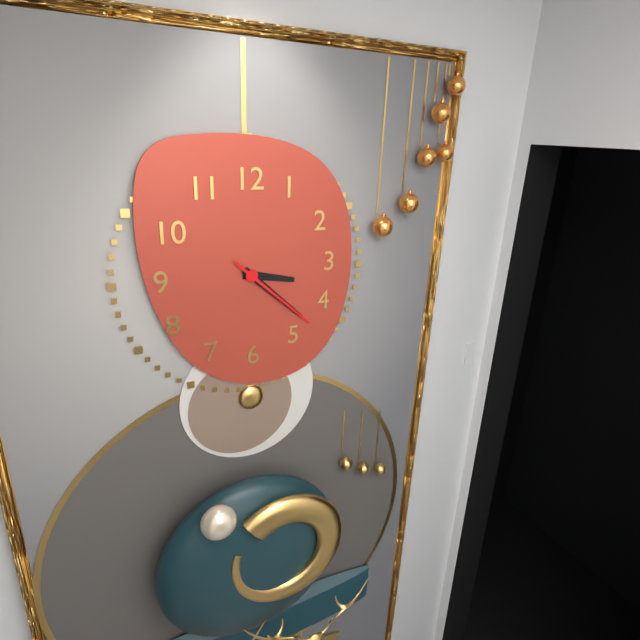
3.22.22
